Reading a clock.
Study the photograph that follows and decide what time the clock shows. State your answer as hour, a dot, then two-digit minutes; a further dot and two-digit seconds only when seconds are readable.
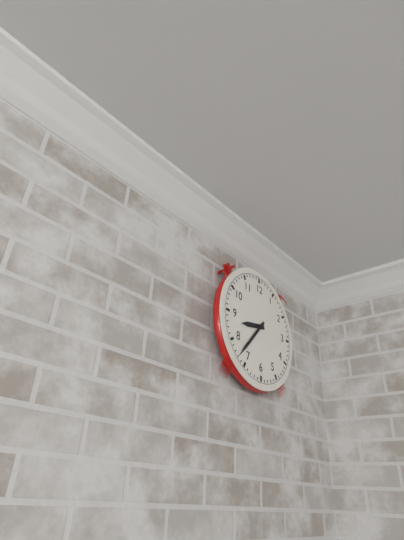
8.37
